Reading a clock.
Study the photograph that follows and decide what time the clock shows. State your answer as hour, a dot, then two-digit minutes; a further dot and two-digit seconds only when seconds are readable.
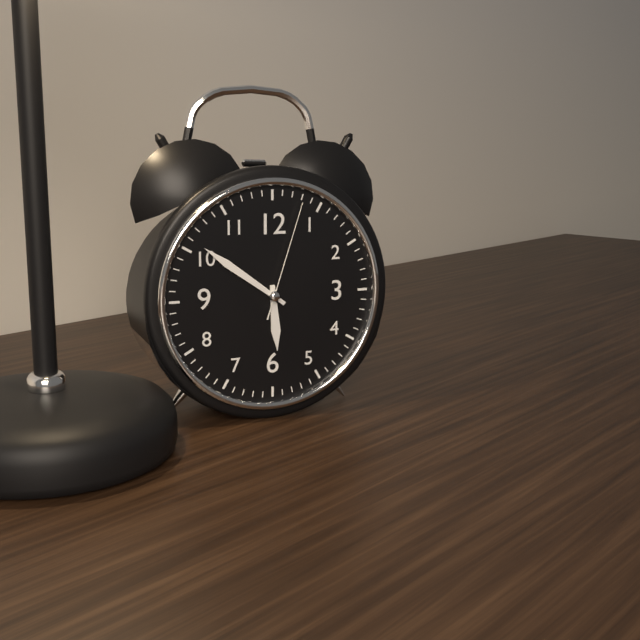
5.51.03
